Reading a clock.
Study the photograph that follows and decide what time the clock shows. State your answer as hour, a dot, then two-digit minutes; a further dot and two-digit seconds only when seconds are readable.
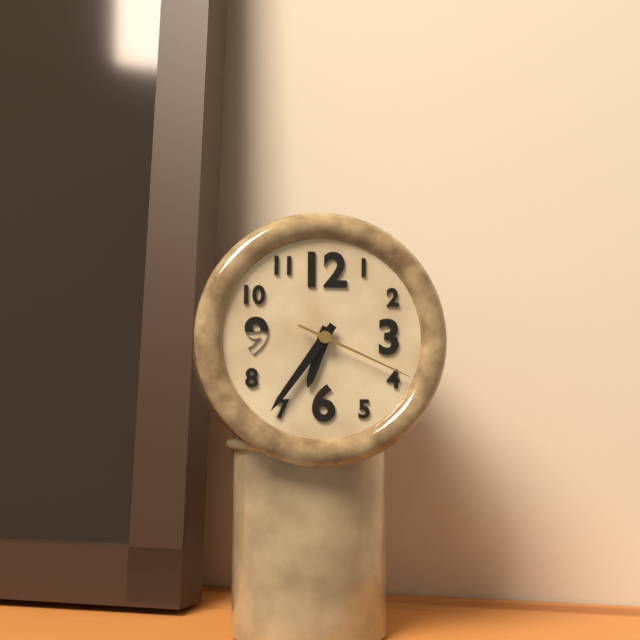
6.36.19
